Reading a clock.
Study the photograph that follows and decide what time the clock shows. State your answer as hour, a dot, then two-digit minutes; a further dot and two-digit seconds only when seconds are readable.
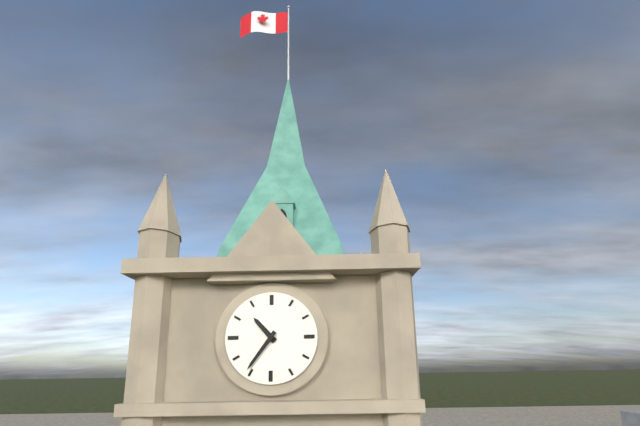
10.36
